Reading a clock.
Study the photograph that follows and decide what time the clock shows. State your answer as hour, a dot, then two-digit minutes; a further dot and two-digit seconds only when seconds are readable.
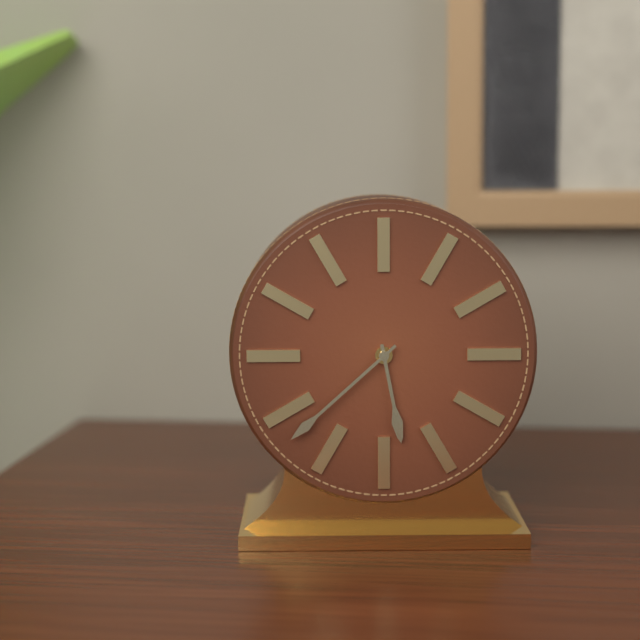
5.38
